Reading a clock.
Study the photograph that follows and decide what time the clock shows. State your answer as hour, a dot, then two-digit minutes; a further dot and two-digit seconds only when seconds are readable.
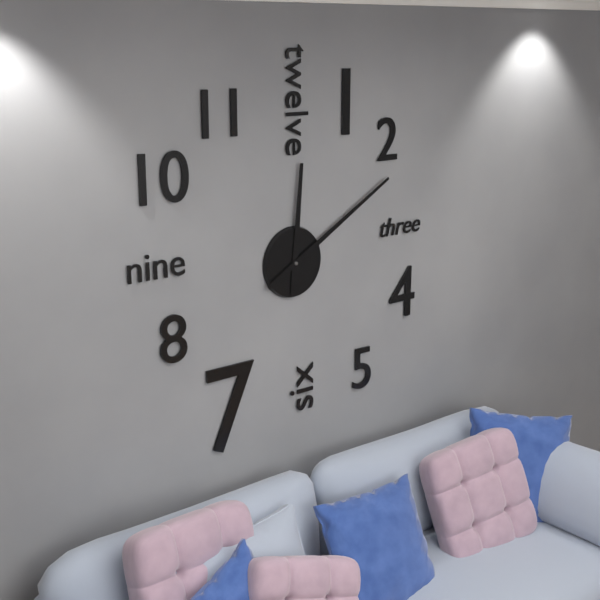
12.10
